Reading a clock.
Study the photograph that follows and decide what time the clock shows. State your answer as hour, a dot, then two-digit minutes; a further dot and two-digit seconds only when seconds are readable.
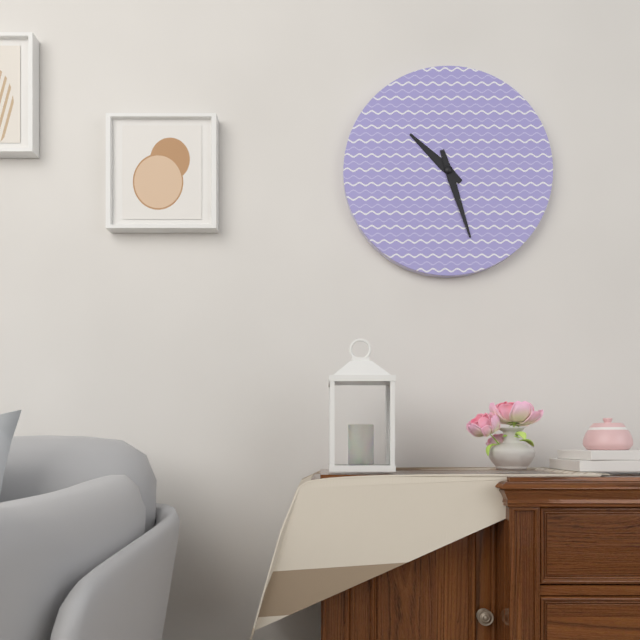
10.27
